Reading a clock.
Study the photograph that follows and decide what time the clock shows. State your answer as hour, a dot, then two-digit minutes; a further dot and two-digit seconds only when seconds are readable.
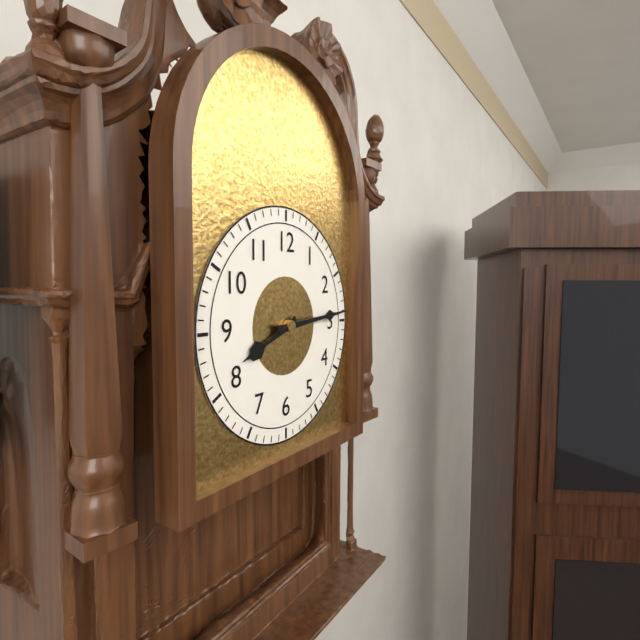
8.14
